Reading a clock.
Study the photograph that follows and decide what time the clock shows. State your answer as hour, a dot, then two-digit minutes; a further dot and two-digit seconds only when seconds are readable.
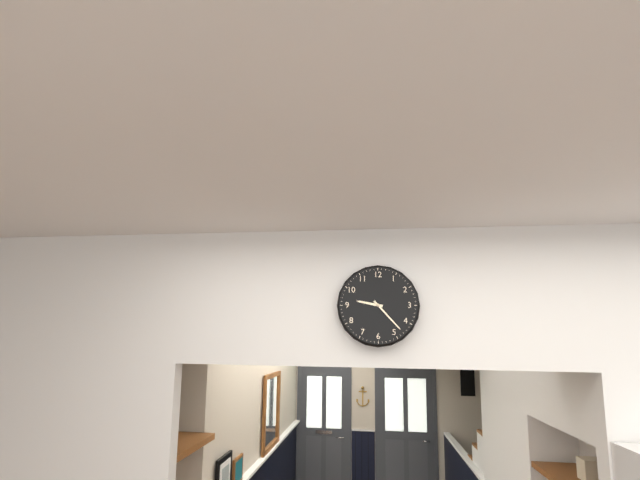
9.23
